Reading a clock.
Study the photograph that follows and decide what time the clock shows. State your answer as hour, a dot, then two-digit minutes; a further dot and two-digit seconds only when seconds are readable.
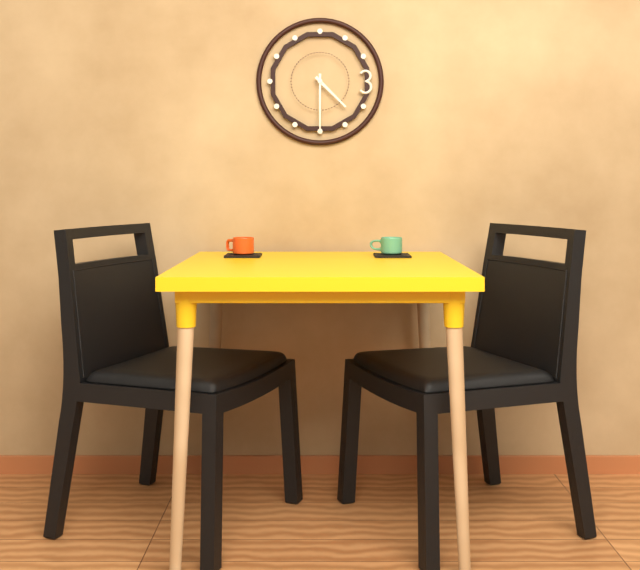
4.30
